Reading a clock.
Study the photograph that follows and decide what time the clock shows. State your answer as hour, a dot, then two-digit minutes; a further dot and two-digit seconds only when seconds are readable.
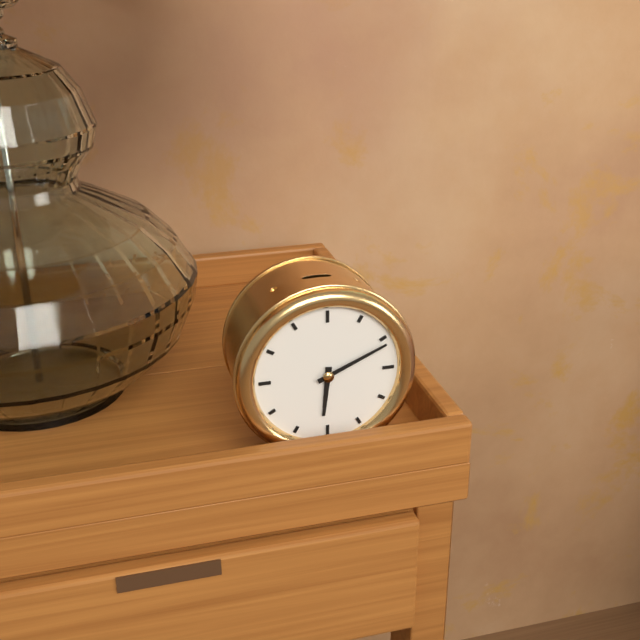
6.11
